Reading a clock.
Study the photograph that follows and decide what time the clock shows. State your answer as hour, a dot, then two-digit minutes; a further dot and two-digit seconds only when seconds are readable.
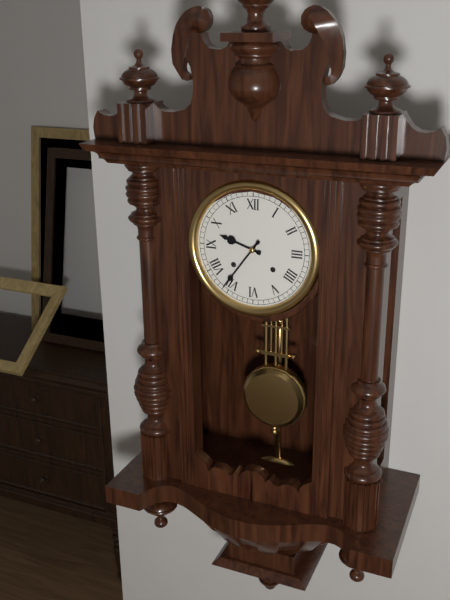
9.36
